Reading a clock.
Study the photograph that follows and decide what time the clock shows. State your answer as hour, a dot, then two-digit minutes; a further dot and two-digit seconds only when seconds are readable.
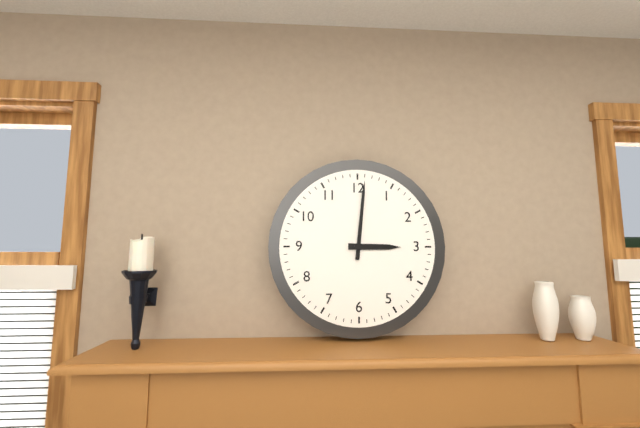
3.01
